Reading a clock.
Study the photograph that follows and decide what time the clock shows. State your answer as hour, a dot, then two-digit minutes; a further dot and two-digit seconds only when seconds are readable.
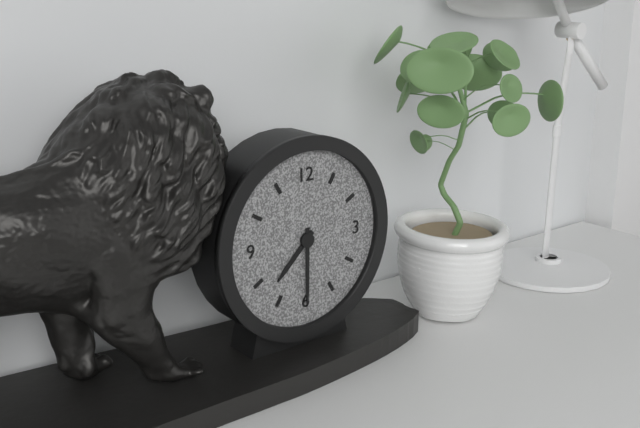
7.30
